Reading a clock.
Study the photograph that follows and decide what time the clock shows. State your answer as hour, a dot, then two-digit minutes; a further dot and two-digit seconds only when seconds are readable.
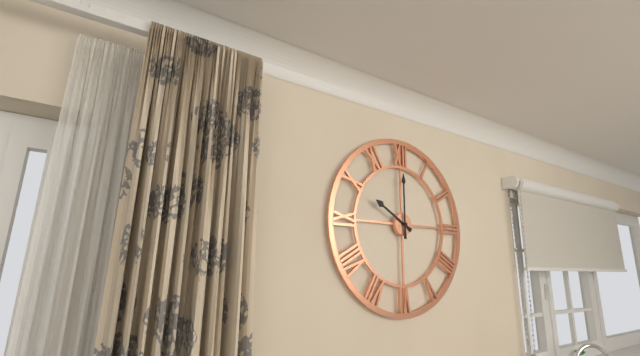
10.00
